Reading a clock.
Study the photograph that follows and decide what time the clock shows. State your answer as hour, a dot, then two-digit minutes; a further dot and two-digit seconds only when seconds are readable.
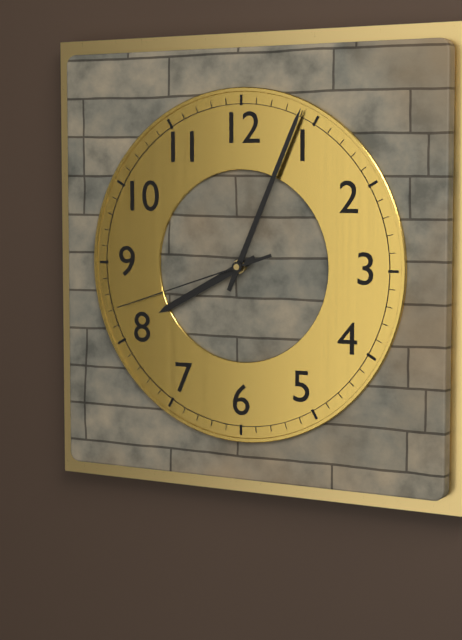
8.04.42
